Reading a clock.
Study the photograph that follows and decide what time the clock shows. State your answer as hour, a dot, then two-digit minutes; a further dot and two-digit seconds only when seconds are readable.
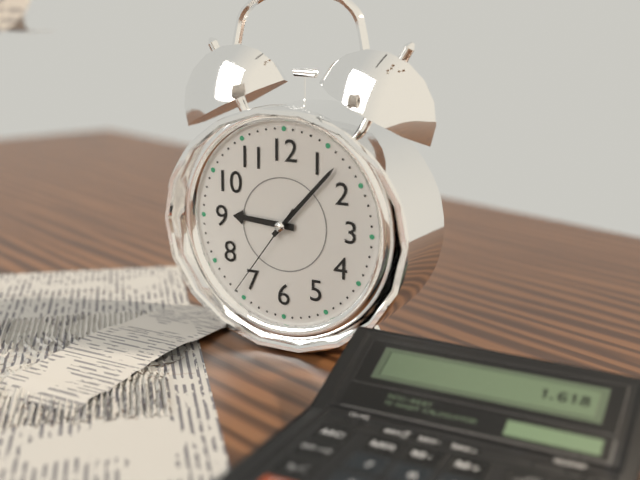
9.07.36
